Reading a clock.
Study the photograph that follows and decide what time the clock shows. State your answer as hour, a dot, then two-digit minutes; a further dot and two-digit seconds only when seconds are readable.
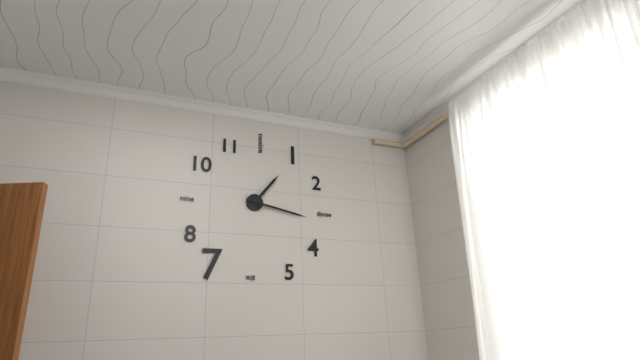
1.17
